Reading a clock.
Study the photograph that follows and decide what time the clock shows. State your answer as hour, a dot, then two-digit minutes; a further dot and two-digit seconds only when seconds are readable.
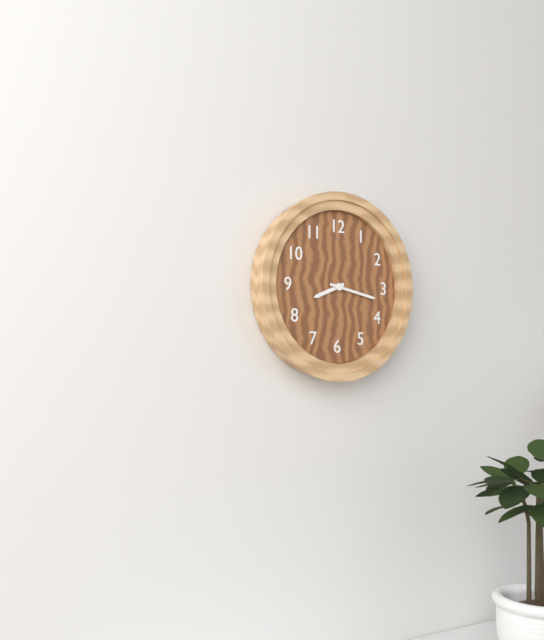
8.17
